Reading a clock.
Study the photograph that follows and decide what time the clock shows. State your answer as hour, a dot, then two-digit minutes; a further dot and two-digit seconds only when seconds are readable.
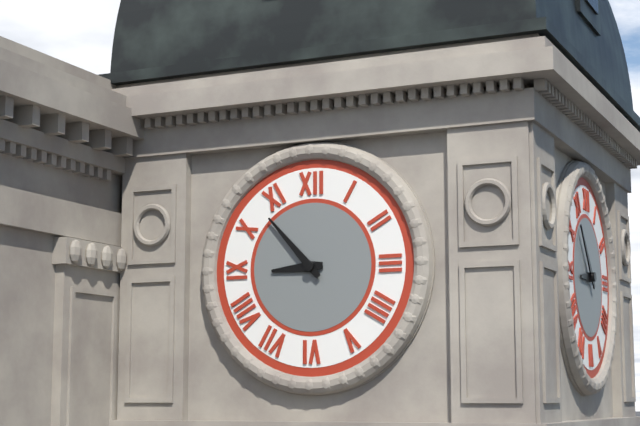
8.53
